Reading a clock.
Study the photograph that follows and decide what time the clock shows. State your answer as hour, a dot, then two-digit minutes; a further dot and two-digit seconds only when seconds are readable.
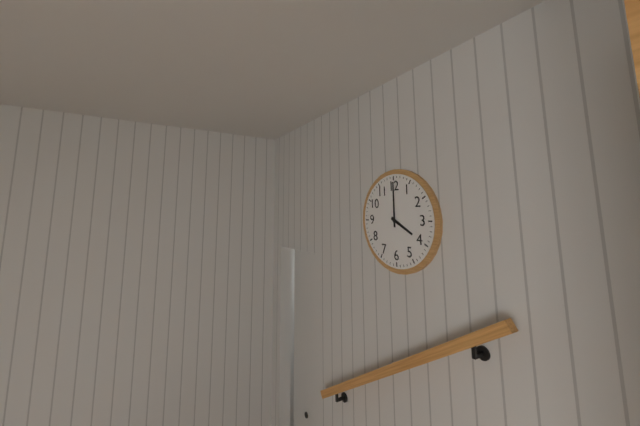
4.00
